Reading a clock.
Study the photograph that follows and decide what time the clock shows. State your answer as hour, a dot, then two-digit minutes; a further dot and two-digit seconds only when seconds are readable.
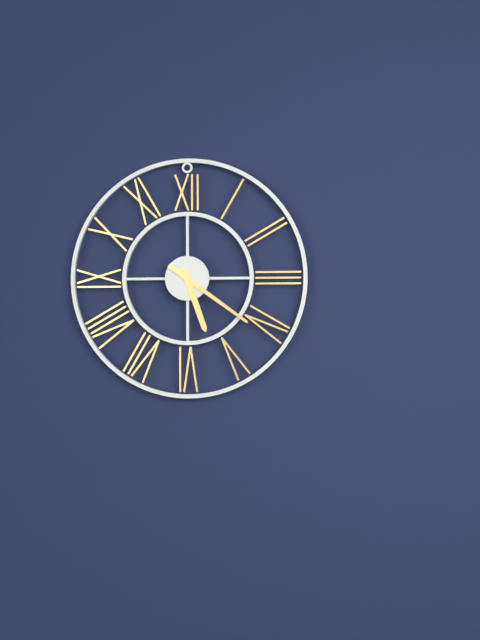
5.21
